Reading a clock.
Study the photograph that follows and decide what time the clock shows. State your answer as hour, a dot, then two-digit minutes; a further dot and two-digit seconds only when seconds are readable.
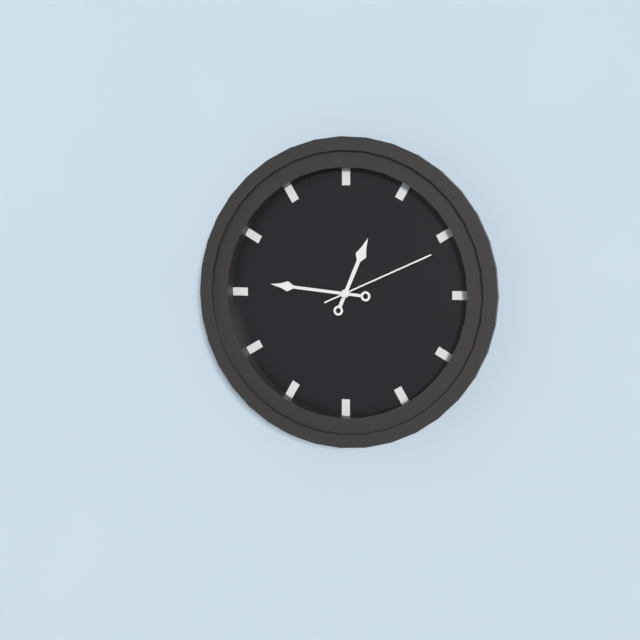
12.46.11
